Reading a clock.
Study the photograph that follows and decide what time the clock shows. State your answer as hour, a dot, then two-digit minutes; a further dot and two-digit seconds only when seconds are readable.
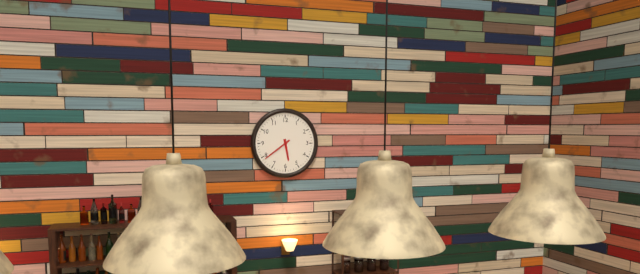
5.39
